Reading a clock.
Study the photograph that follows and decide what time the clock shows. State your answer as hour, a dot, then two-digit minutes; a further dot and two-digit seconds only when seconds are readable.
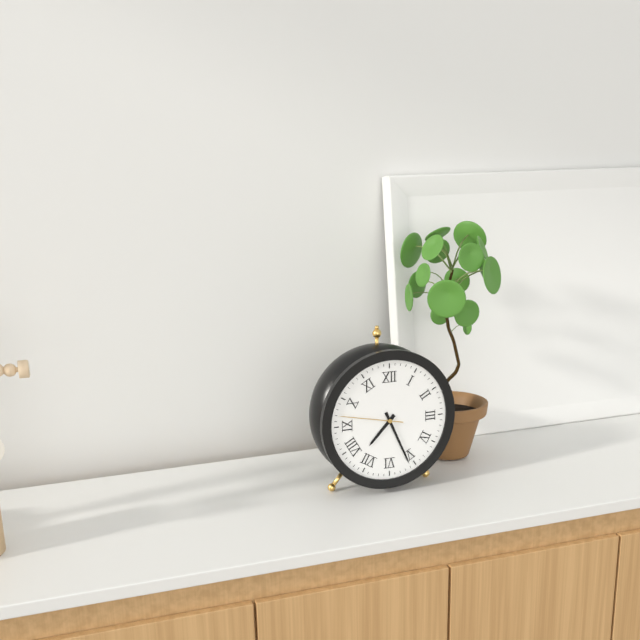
7.26.47
